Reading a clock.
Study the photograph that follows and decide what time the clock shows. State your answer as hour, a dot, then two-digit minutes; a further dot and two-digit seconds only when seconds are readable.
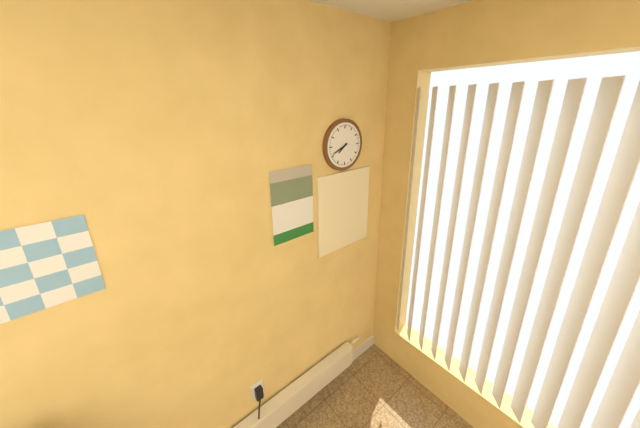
7.41
